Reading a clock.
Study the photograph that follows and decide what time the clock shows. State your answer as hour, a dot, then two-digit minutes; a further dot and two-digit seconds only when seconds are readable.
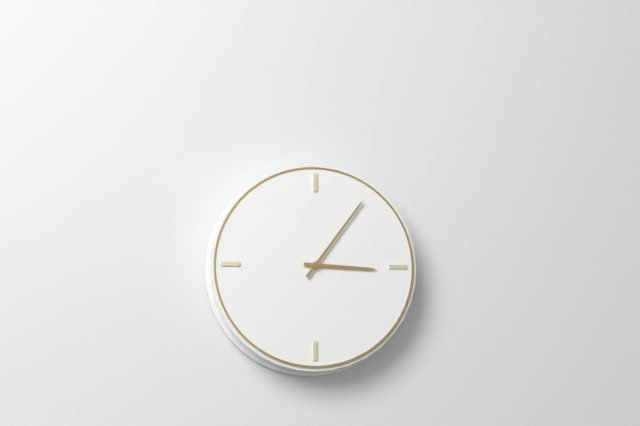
3.06
